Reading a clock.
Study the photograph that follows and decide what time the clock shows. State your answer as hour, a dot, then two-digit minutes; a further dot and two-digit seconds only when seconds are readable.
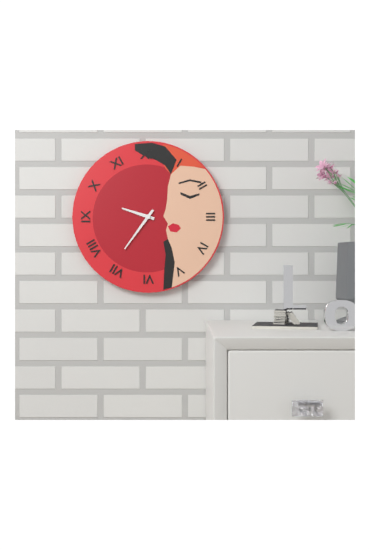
9.36
